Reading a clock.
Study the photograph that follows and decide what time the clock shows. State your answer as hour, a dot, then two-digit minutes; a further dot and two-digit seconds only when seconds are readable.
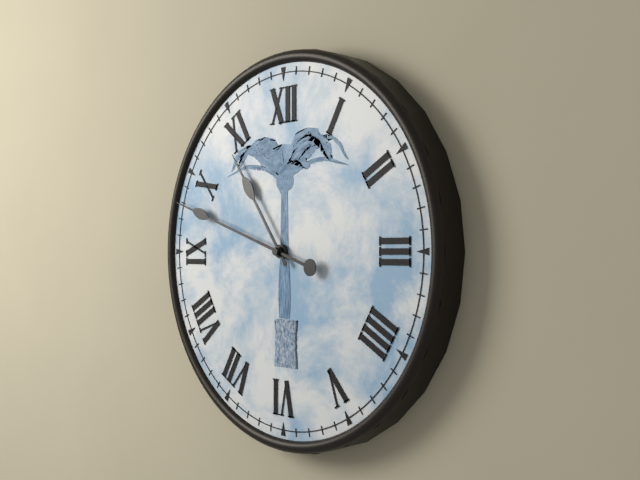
10.48
